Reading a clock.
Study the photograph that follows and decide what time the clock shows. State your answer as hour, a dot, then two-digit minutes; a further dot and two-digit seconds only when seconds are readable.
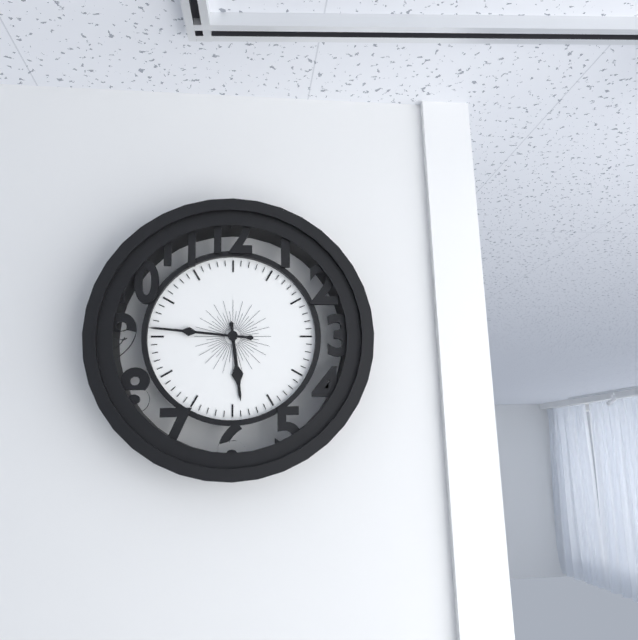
5.46
